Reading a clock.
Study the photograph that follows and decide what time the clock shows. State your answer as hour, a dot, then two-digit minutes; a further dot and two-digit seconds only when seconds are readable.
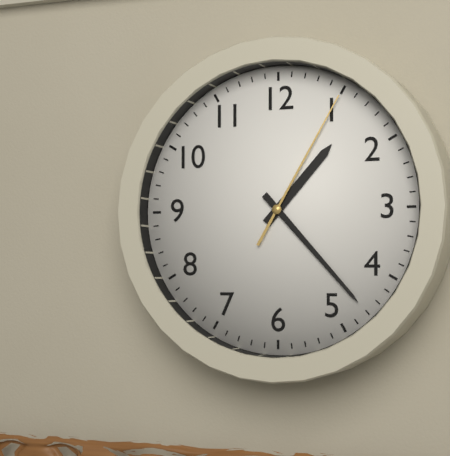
1.23.05
